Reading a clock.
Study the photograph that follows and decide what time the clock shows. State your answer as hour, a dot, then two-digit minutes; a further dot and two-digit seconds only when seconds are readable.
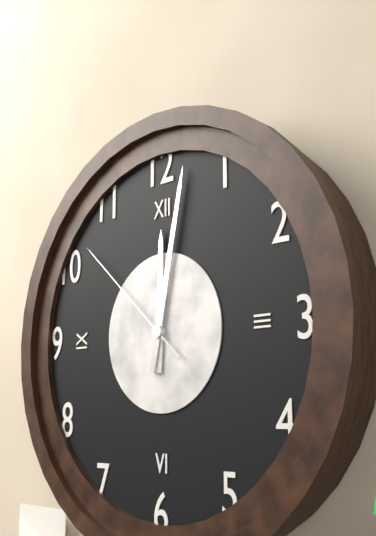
12.02.52
